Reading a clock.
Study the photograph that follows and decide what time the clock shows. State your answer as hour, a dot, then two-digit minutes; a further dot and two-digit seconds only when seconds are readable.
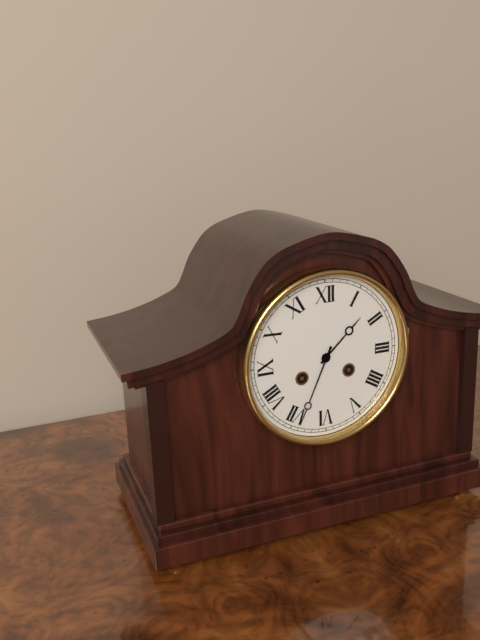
1.34
